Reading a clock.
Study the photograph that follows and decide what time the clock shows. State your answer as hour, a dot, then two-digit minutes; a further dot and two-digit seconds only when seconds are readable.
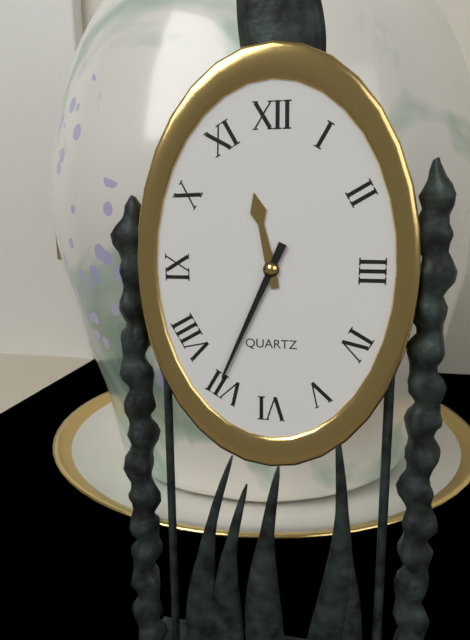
11.34
